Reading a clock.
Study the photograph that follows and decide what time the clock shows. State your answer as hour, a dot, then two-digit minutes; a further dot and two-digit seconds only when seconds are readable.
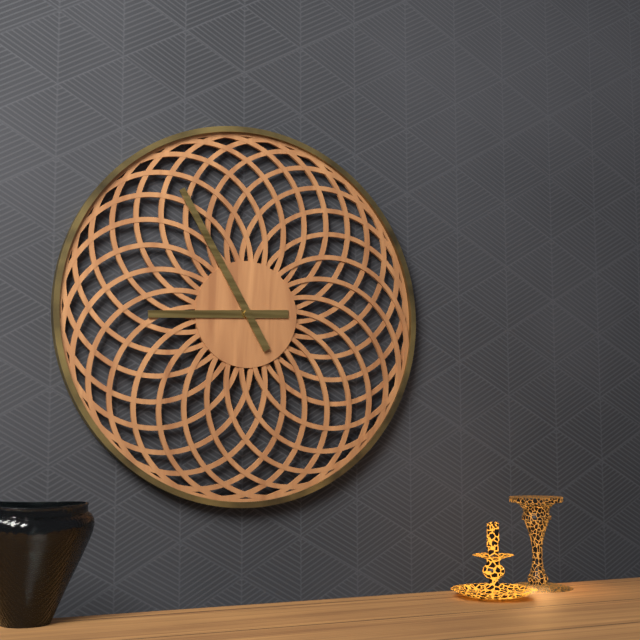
8.55
